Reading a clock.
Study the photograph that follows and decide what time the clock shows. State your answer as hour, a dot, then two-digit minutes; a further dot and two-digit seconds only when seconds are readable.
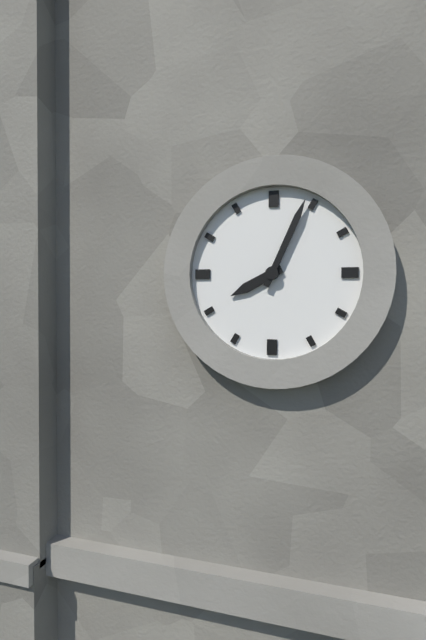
8.04
